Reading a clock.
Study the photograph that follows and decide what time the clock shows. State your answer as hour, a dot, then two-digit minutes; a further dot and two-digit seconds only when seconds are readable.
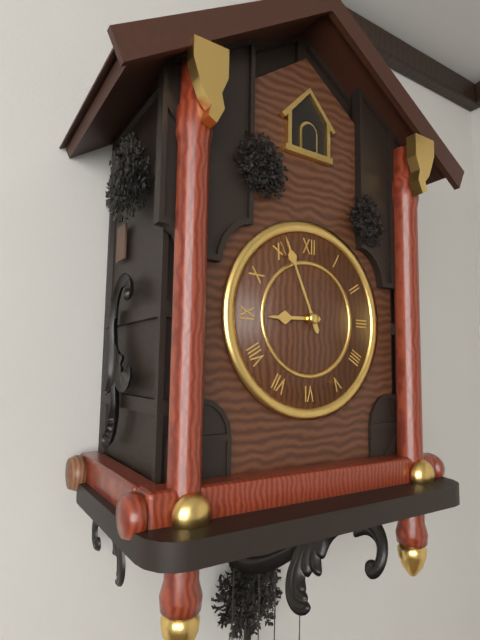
8.56
